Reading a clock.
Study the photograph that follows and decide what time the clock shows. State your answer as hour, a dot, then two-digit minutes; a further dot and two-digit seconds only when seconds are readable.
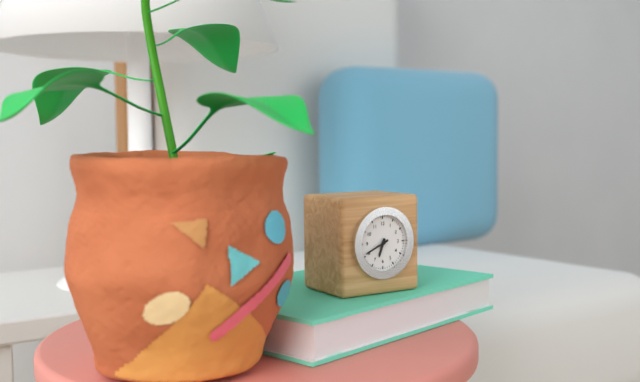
6.41
